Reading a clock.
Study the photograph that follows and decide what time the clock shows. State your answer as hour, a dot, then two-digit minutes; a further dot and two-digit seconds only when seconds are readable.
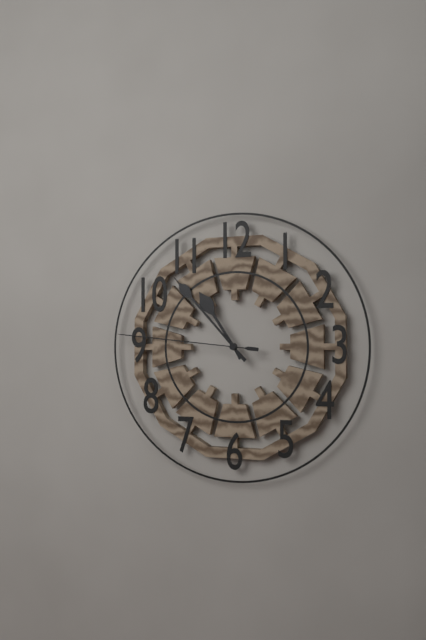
10.53.46
